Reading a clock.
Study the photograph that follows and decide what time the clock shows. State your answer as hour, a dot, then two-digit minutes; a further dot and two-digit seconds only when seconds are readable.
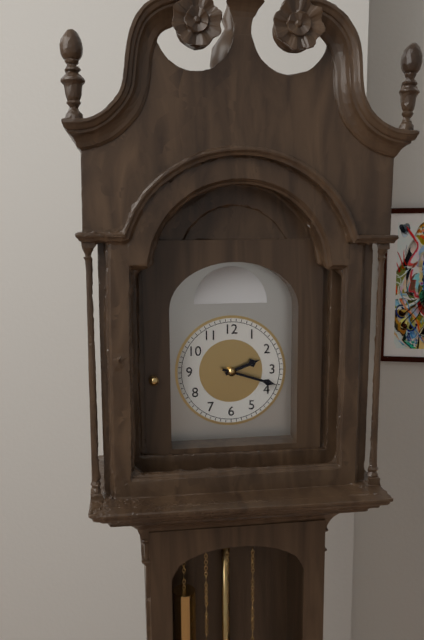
2.18
